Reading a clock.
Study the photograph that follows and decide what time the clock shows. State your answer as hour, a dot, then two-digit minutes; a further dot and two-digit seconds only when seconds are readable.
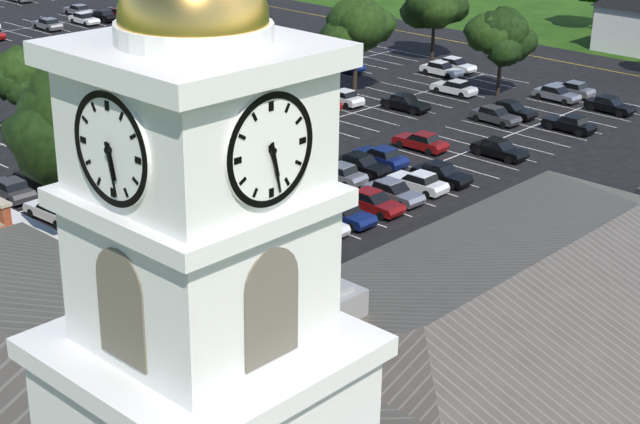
5.28
